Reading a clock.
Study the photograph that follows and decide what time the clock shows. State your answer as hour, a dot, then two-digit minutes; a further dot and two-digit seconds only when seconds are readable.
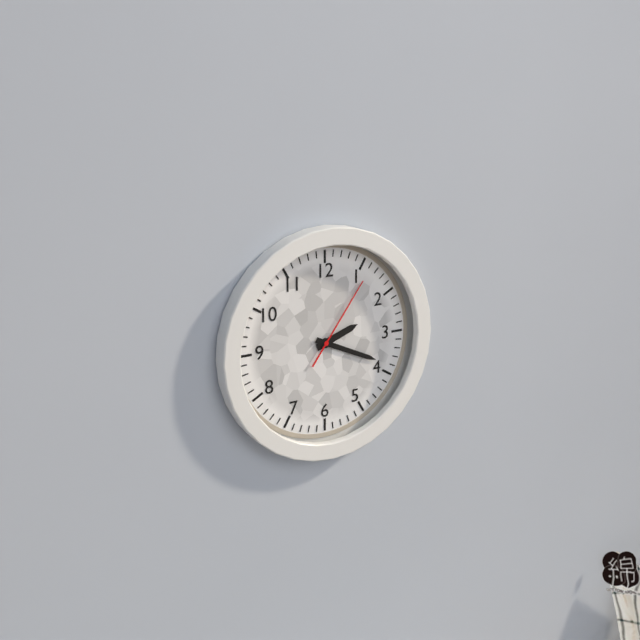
2.19.06
